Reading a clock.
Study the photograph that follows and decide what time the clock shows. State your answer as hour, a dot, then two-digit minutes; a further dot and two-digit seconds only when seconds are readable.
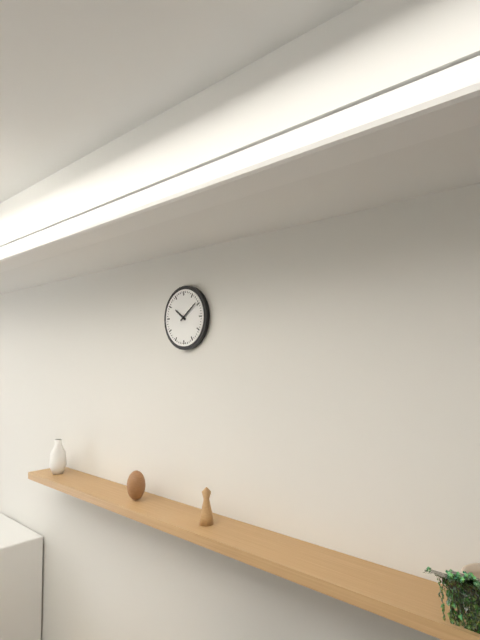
10.09
